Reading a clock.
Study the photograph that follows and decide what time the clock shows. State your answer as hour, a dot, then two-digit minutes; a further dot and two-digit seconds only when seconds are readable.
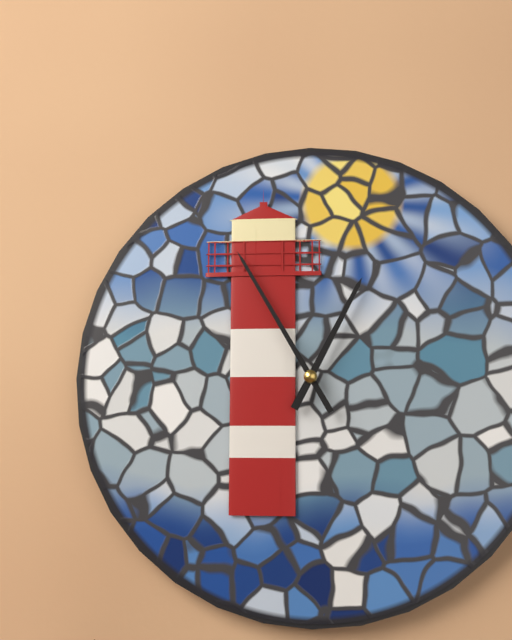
12.55
